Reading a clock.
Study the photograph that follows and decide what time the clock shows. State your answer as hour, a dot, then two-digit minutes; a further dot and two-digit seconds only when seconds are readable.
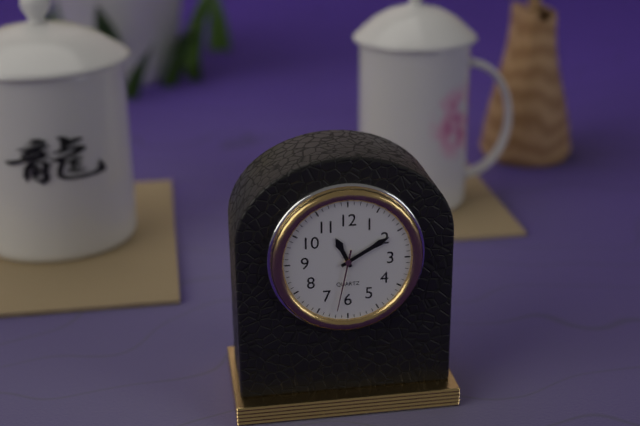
11.10.32
